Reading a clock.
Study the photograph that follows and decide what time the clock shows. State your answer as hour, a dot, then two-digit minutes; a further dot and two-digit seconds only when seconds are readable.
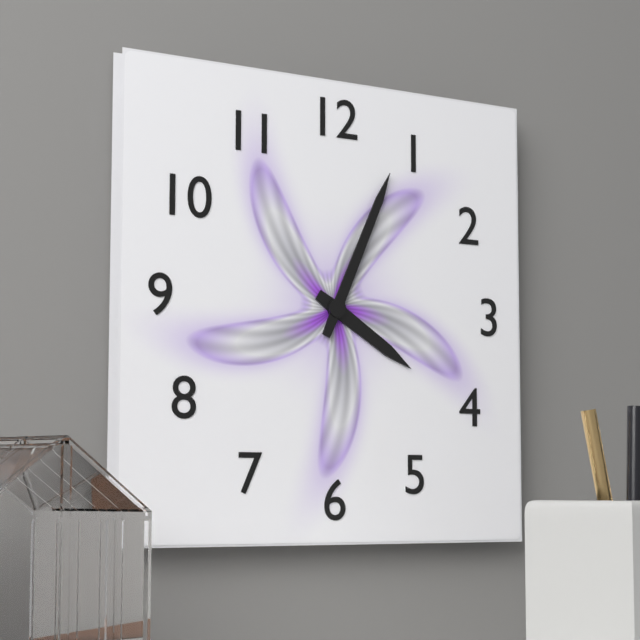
4.04
